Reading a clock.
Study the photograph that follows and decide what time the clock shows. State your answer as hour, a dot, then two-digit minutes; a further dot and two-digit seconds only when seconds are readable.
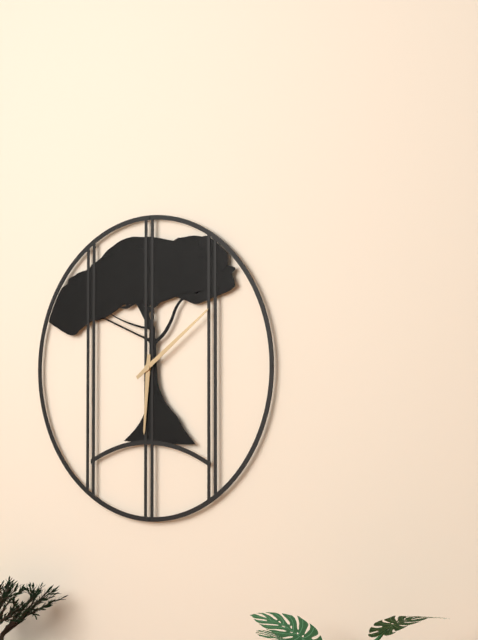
6.09
